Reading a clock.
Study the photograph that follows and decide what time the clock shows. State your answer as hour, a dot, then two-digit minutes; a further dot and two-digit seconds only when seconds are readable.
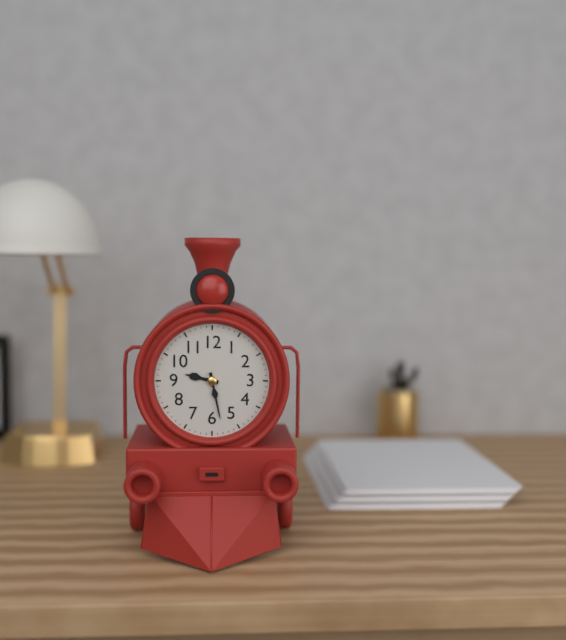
9.28
